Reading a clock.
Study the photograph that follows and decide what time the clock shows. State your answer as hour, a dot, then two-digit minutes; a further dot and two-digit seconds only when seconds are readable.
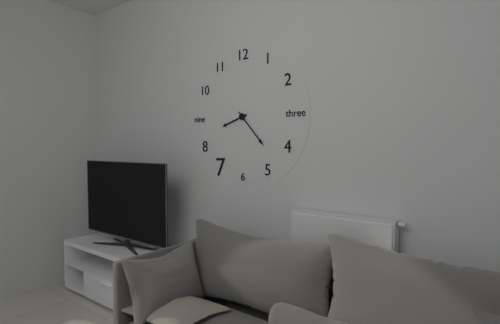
8.23
